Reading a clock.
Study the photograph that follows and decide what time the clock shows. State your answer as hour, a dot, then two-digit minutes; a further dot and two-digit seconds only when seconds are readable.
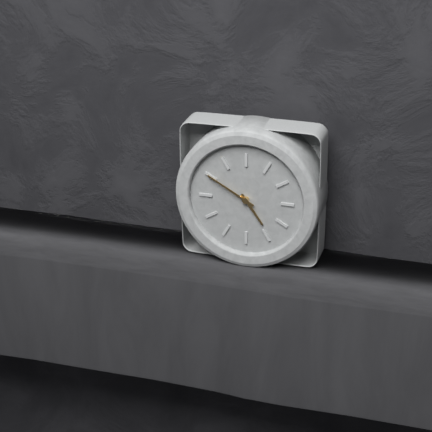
4.50
